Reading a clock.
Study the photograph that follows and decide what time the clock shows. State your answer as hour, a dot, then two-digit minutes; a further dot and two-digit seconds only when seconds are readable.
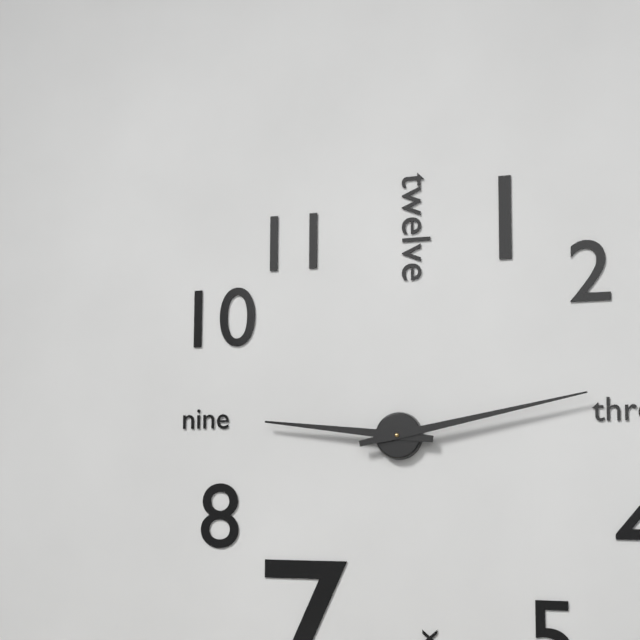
9.13
